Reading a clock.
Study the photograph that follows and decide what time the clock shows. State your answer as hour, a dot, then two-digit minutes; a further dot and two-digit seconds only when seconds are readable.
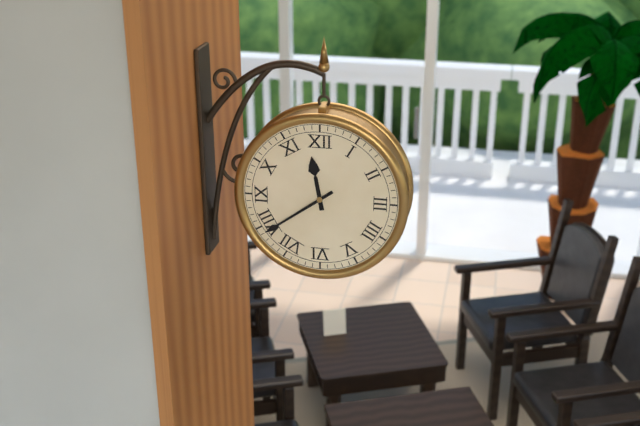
11.39
